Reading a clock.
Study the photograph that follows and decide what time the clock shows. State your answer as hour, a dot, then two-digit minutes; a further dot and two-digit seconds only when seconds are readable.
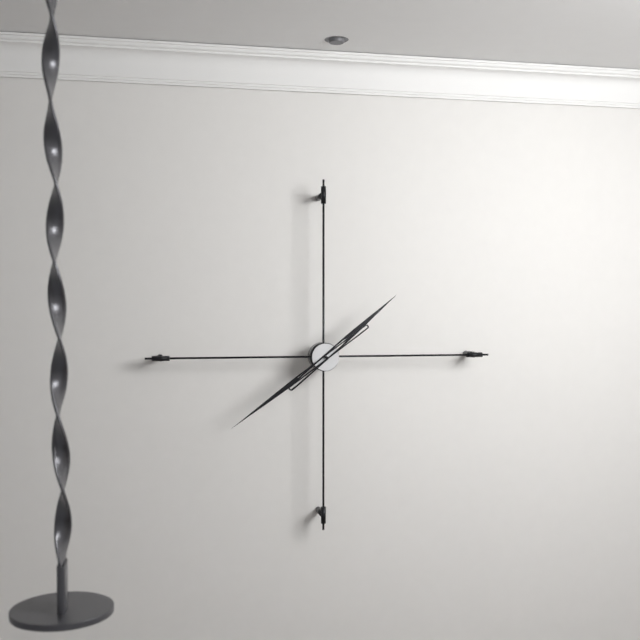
1.39
